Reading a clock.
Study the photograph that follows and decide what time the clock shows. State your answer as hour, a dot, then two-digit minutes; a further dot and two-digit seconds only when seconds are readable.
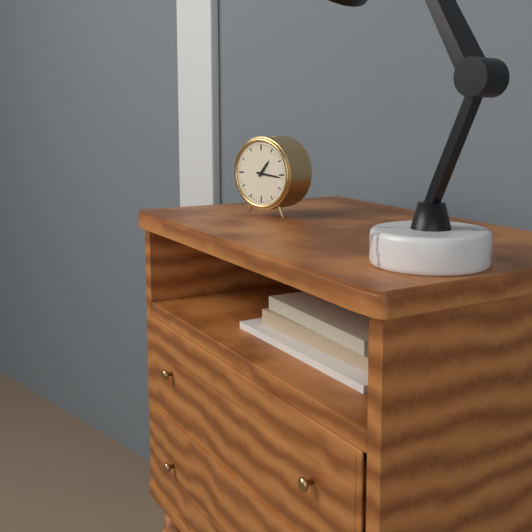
1.16
